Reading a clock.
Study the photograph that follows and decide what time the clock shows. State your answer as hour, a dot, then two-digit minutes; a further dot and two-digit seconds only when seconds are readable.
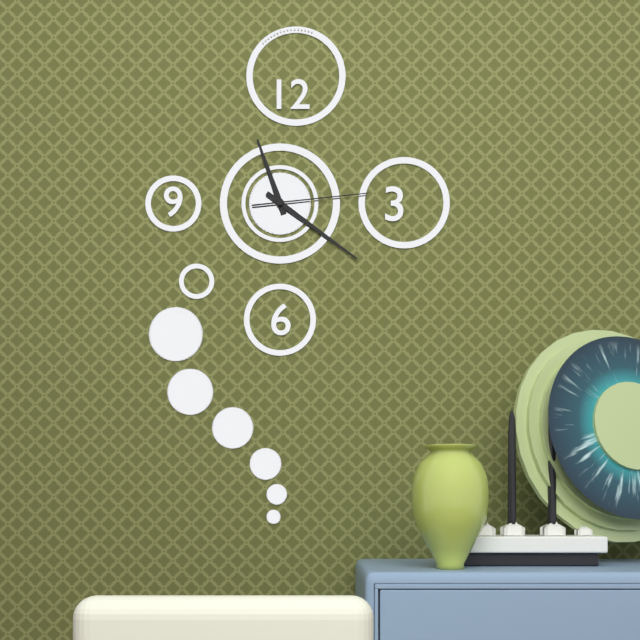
11.21.14
